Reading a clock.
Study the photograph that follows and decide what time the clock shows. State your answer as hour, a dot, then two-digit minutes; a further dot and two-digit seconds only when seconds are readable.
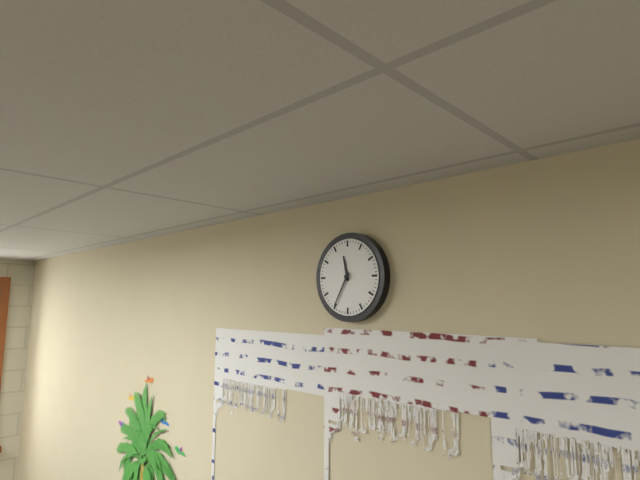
11.35
